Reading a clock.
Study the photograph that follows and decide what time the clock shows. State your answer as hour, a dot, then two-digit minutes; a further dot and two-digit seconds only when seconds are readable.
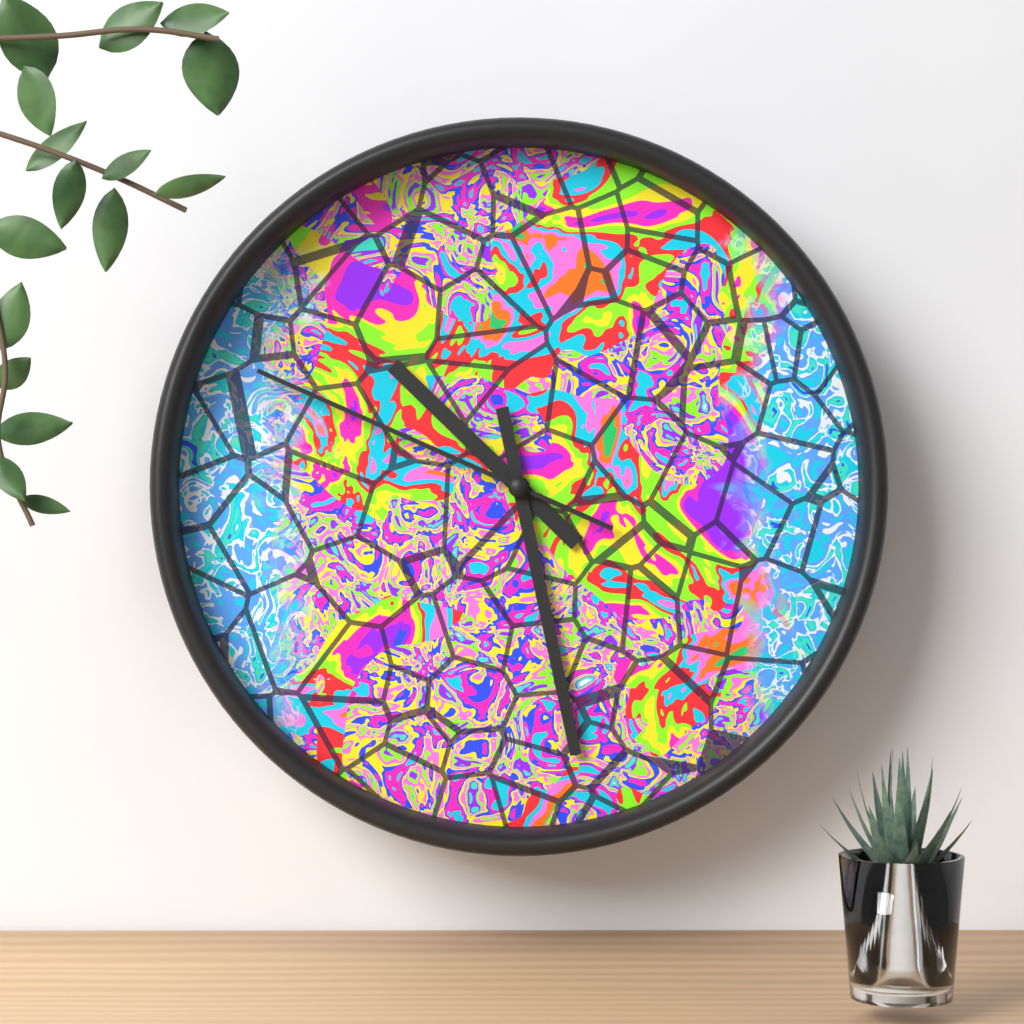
10.28.49
